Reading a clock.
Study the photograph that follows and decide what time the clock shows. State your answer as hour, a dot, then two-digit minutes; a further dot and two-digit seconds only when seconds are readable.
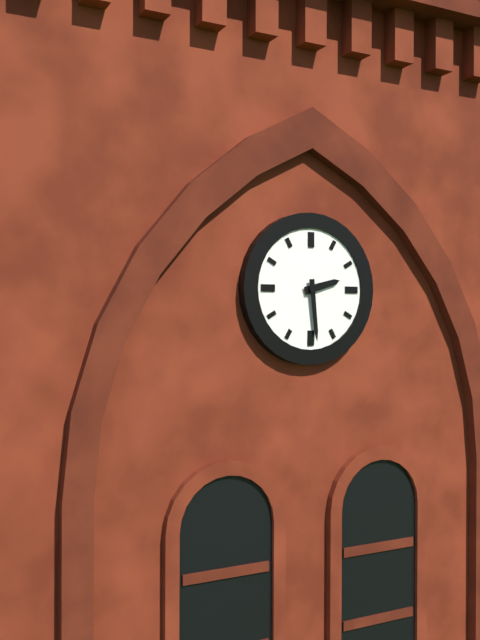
2.29
